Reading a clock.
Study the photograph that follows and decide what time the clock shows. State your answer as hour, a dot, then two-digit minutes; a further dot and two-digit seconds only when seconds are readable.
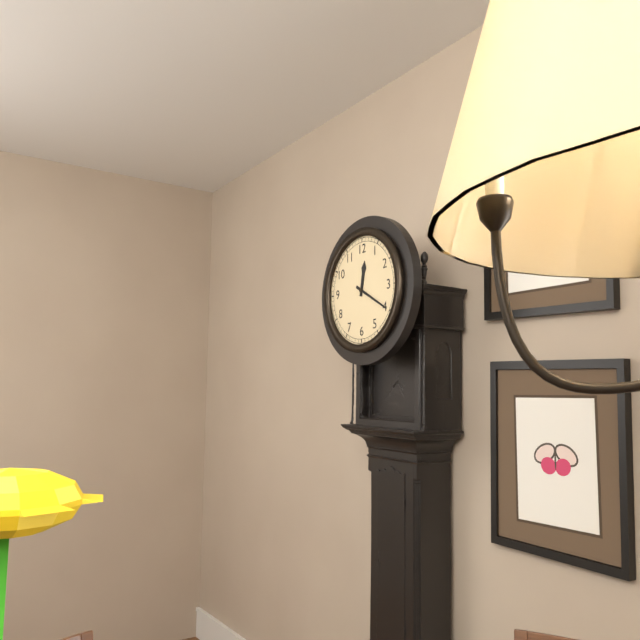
12.20
